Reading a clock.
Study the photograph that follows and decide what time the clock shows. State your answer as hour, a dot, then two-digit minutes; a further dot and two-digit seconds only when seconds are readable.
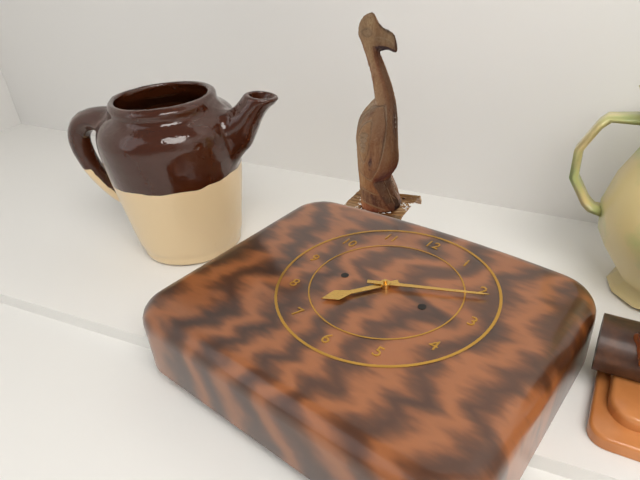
7.11
